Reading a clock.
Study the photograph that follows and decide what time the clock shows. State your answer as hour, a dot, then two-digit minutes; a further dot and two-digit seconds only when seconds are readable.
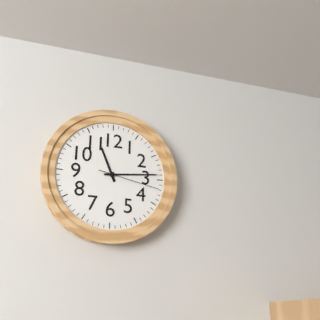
11.14.17
